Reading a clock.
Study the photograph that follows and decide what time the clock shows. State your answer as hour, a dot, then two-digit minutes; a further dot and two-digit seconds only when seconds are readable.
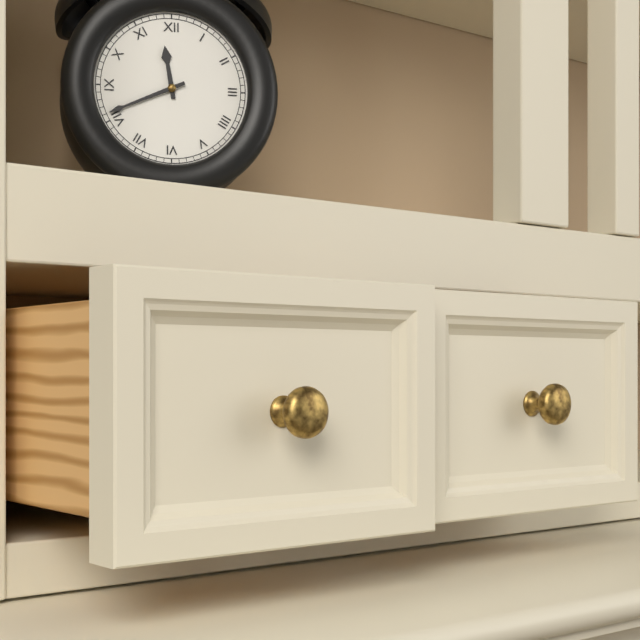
11.41
